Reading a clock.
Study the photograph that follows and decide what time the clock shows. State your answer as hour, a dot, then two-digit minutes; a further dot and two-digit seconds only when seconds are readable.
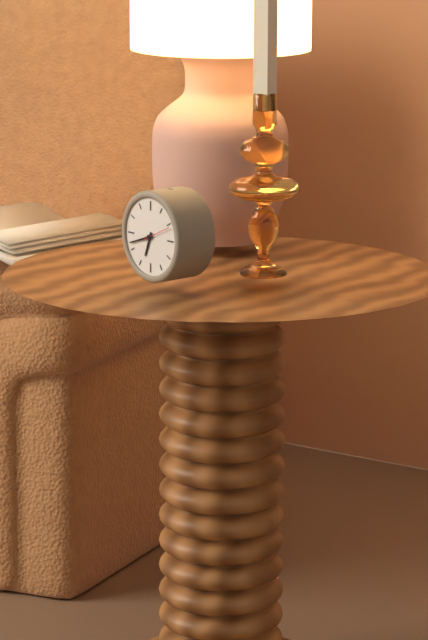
6.42
